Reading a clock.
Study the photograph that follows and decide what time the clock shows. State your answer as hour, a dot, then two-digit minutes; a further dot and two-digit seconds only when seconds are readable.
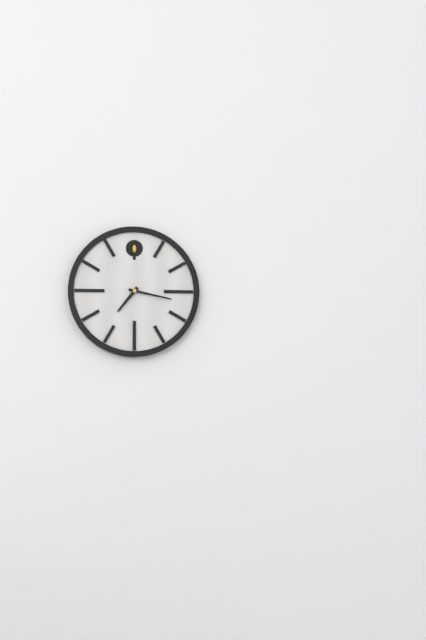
7.17
